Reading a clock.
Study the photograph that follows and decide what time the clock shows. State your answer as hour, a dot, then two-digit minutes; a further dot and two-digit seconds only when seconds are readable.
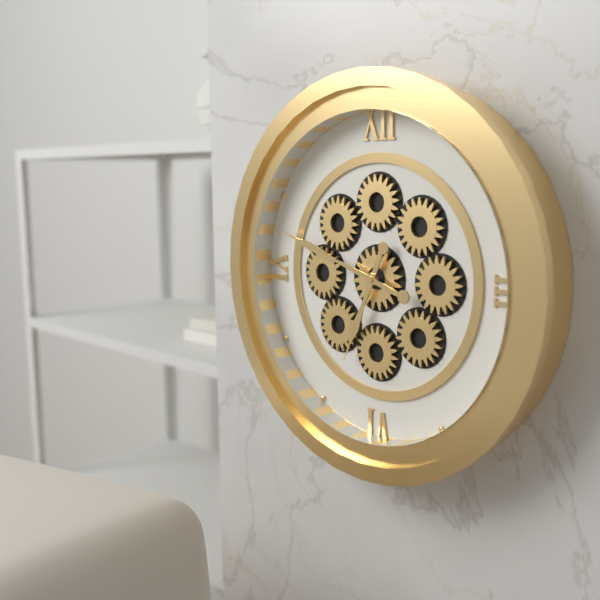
6.48
